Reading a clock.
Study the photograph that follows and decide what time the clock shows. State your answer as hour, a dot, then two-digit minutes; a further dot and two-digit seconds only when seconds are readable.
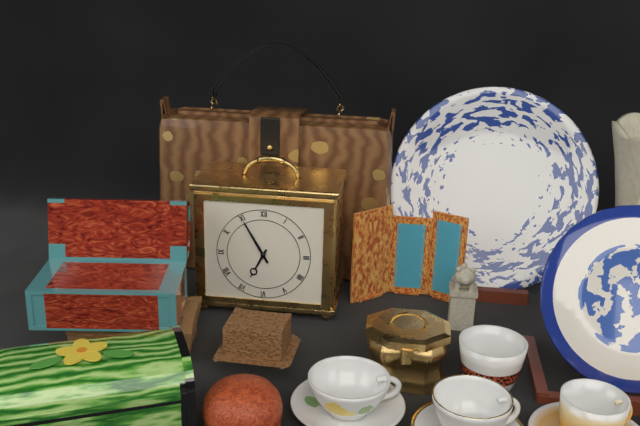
6.55
